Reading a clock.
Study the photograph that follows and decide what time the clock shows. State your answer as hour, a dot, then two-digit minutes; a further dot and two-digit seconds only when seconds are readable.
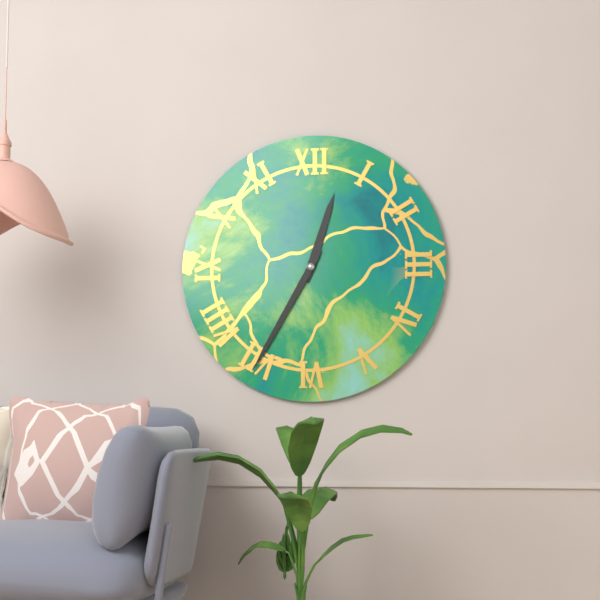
12.35
